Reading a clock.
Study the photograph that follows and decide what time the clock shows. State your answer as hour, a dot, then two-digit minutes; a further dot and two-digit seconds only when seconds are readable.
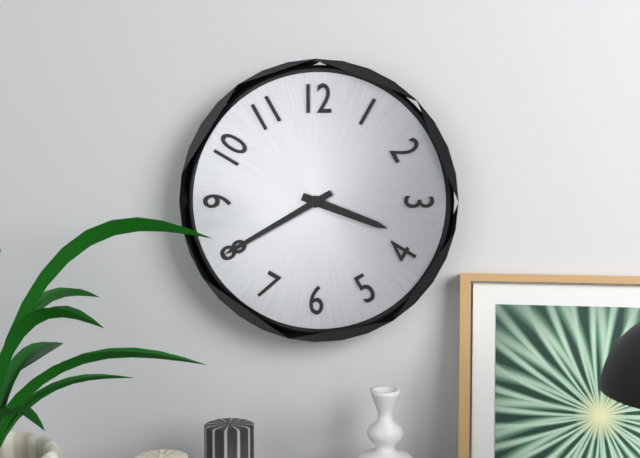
3.40
